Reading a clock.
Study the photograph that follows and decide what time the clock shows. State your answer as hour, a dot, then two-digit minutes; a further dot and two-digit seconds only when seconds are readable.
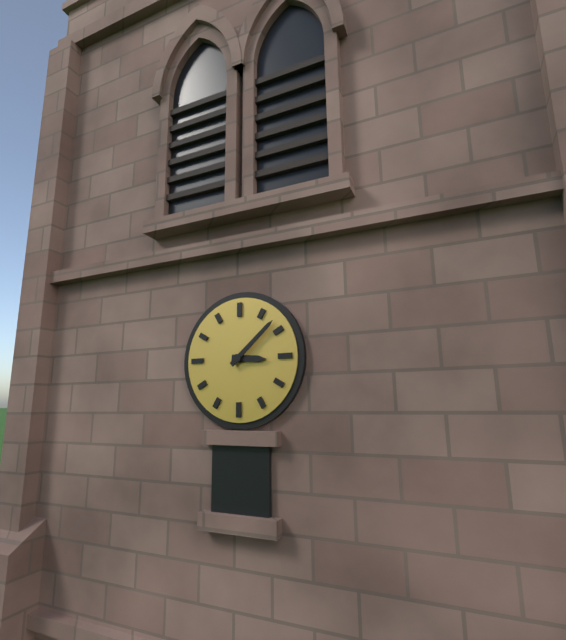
3.08
